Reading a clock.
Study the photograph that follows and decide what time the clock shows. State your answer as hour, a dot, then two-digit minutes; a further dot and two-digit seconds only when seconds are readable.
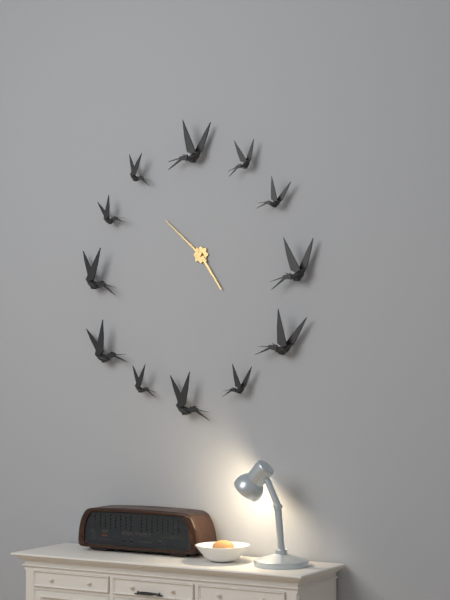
4.52
